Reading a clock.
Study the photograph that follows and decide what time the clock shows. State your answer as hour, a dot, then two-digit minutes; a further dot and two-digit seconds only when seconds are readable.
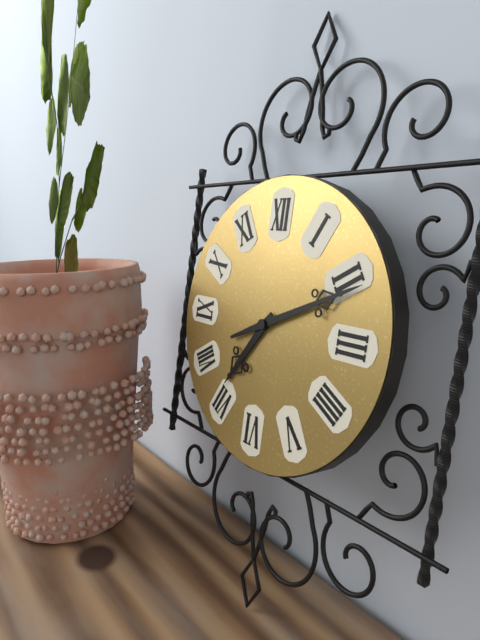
7.11
